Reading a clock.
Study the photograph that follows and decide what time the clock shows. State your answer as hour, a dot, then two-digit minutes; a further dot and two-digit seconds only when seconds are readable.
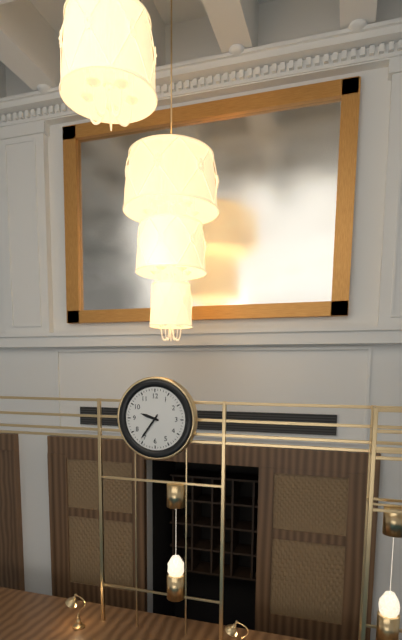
9.36
